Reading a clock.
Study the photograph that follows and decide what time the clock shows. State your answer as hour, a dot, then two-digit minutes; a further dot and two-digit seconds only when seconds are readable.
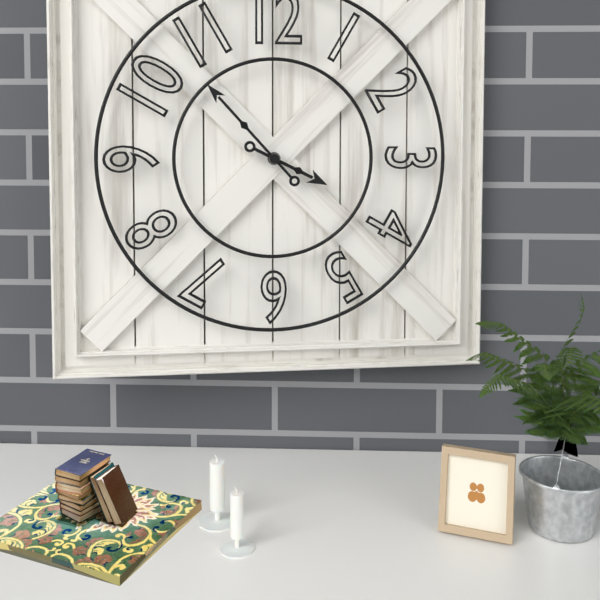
3.53
